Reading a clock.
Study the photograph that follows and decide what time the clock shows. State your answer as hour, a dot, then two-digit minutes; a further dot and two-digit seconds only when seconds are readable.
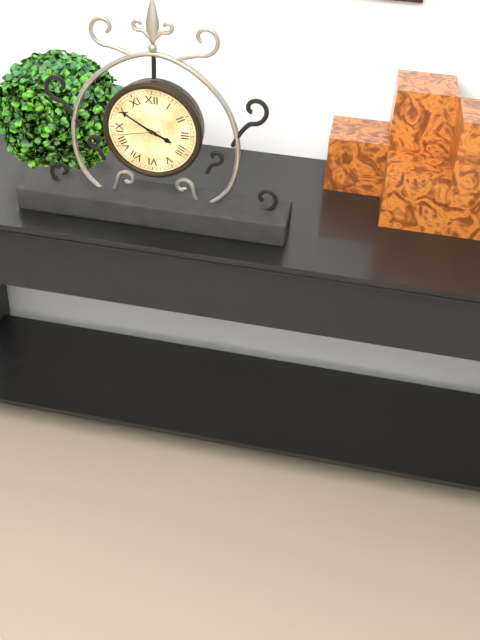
3.50.43
